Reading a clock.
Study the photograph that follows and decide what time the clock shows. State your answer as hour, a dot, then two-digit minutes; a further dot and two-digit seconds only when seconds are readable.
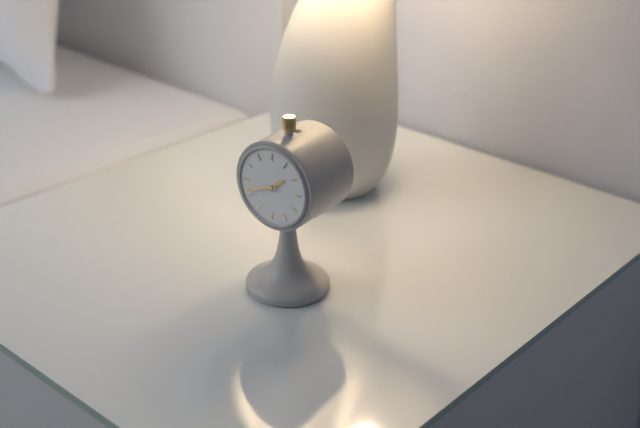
1.42
